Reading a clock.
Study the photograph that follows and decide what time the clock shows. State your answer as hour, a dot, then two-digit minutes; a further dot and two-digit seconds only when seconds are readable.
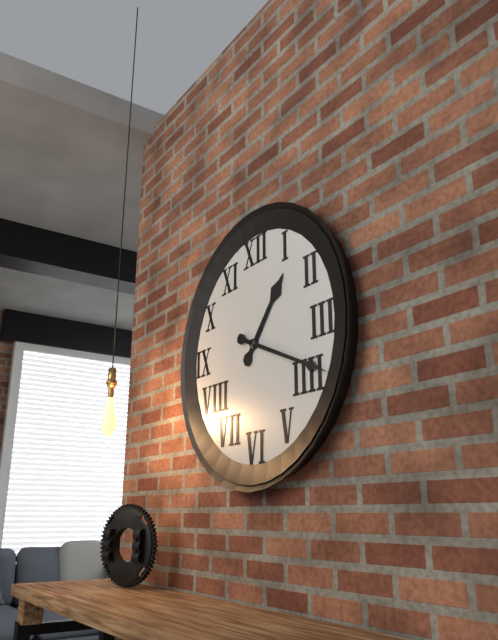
1.19
